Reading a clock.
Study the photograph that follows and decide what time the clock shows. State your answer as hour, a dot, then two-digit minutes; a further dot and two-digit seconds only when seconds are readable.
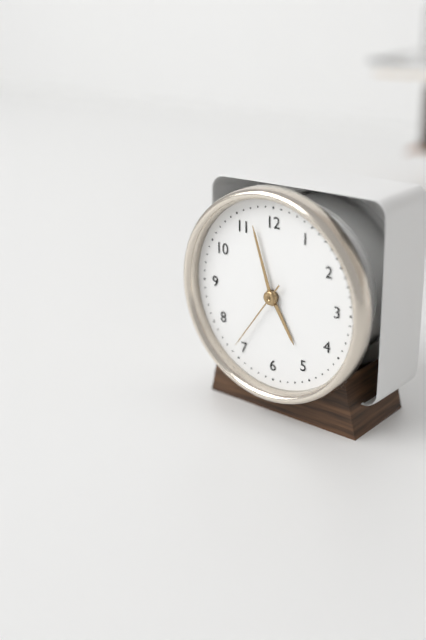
4.57.36
